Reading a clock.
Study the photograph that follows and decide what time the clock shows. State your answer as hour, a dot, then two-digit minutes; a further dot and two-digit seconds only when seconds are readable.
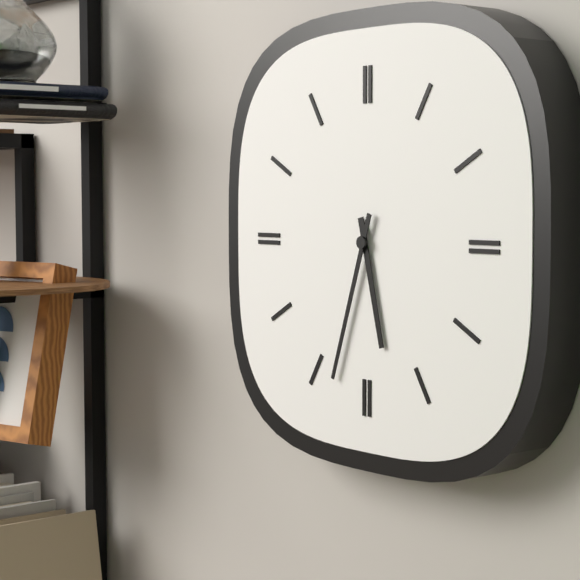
5.33
